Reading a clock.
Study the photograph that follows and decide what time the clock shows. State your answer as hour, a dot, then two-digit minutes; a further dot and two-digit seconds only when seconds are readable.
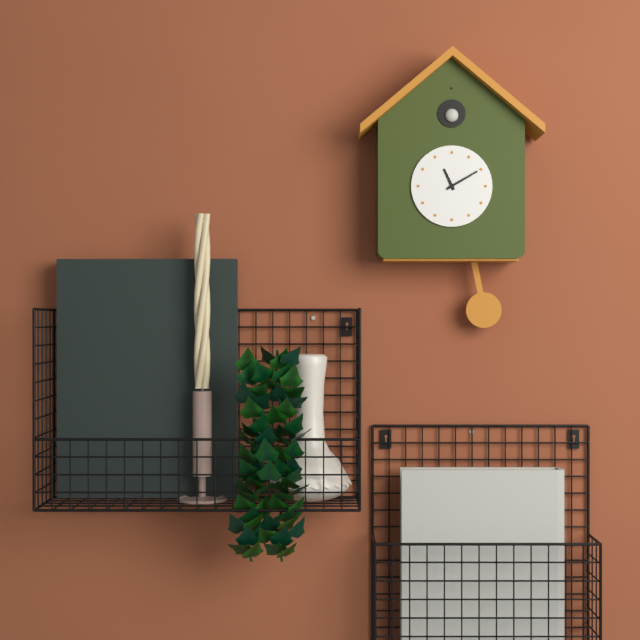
11.10
